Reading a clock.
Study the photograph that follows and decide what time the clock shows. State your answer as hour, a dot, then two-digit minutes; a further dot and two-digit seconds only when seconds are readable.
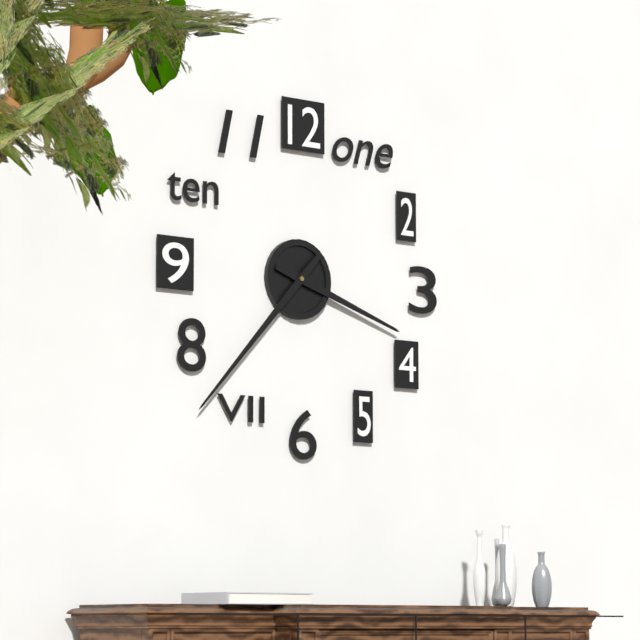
3.37
